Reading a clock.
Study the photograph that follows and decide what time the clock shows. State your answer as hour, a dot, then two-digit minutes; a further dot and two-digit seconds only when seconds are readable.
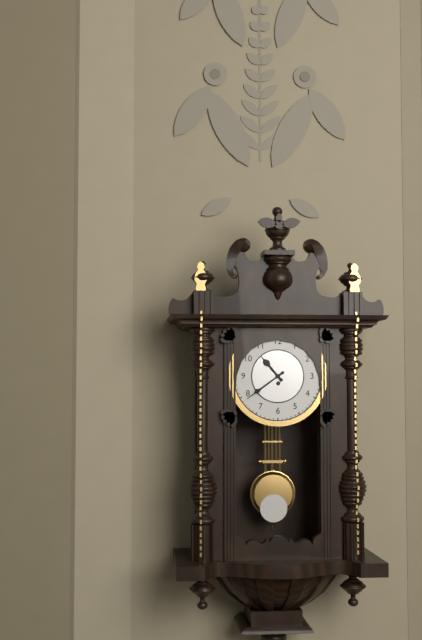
10.39
